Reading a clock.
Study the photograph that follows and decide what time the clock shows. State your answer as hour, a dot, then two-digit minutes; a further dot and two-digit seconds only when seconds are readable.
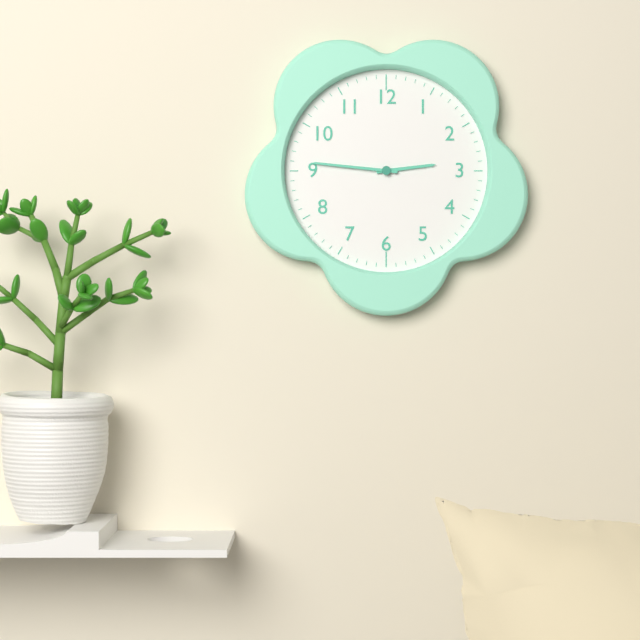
2.46
